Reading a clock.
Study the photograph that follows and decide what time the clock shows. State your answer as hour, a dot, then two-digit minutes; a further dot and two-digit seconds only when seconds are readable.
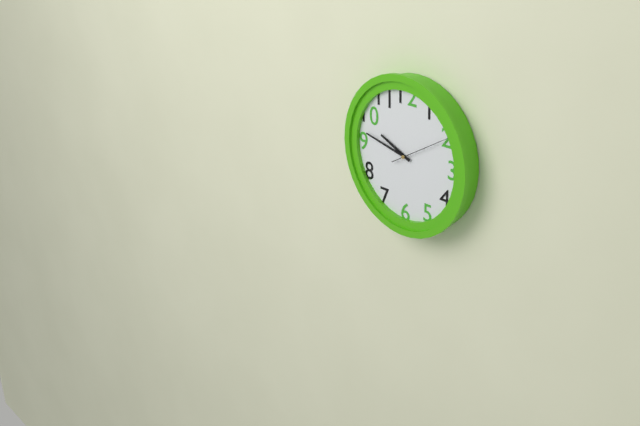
9.47.10
